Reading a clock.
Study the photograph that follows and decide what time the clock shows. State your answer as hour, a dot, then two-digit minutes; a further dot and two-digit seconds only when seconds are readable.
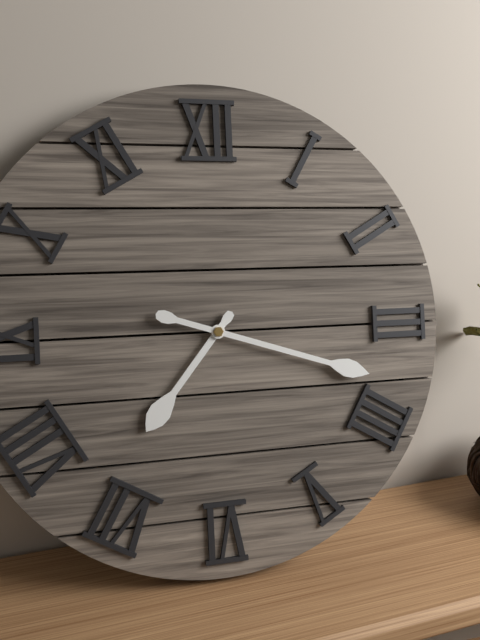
7.18
